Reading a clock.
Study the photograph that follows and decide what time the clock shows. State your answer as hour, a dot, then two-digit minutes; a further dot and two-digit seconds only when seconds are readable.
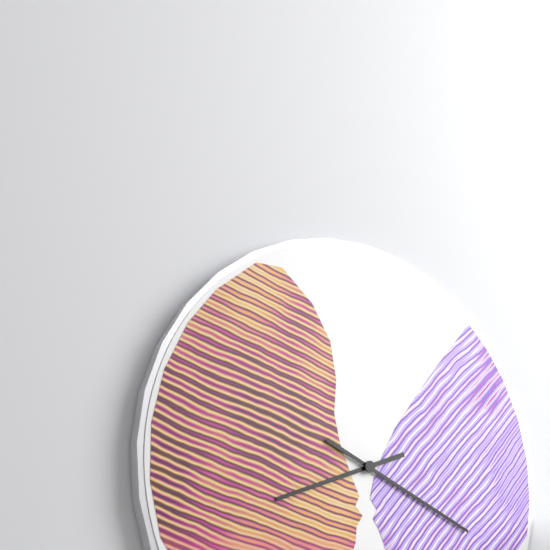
8.19
